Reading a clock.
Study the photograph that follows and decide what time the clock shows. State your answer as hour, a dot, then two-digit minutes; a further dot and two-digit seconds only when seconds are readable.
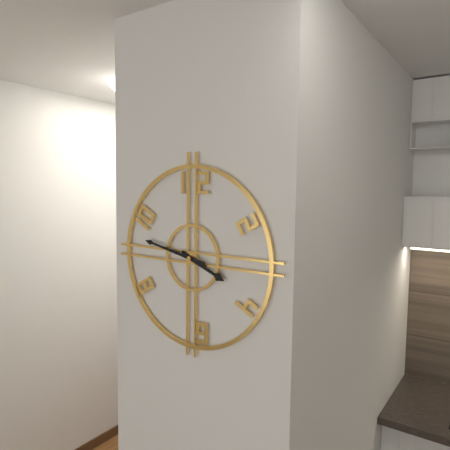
3.47
